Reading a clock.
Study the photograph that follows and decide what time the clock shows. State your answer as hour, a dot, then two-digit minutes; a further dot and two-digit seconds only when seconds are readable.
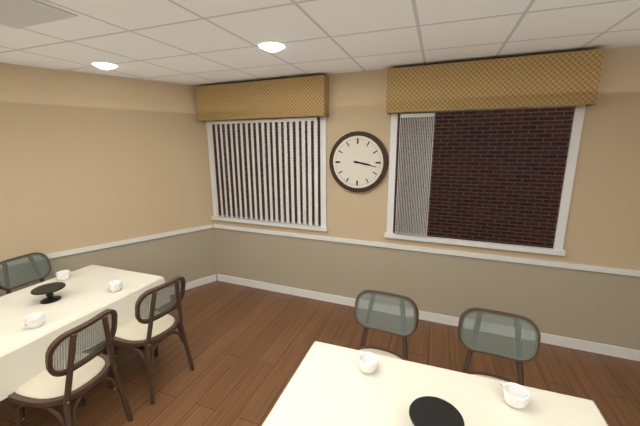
3.17
